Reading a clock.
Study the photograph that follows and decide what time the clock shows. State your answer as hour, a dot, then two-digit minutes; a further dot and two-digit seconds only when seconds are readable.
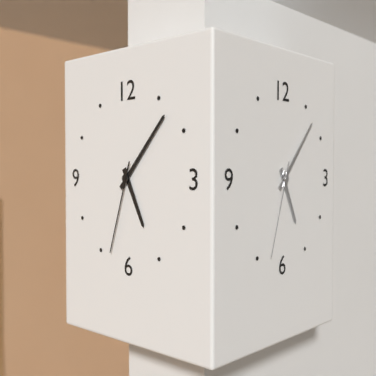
5.07.33
